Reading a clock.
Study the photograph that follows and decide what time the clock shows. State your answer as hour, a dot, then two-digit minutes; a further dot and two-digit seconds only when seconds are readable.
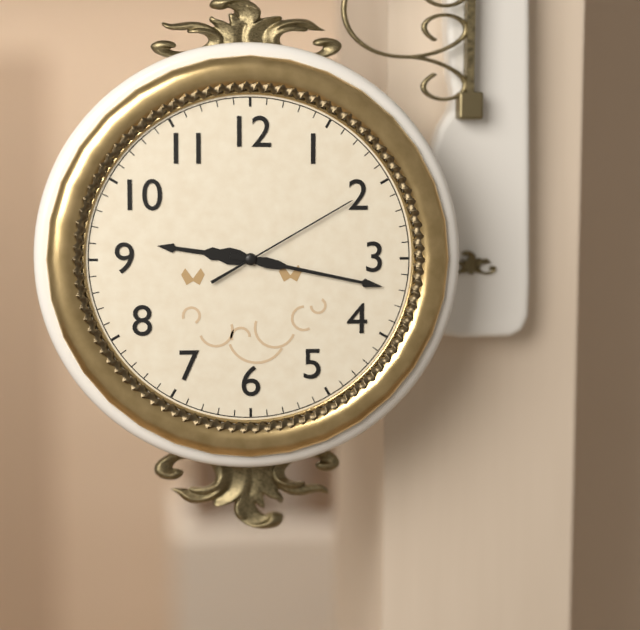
9.17.10
